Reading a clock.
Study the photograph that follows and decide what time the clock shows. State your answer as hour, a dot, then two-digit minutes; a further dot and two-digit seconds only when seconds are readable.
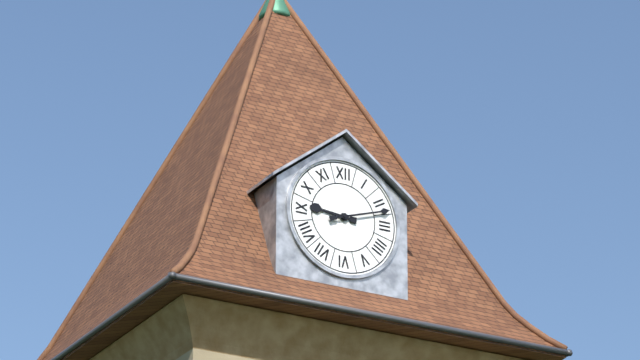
9.12
